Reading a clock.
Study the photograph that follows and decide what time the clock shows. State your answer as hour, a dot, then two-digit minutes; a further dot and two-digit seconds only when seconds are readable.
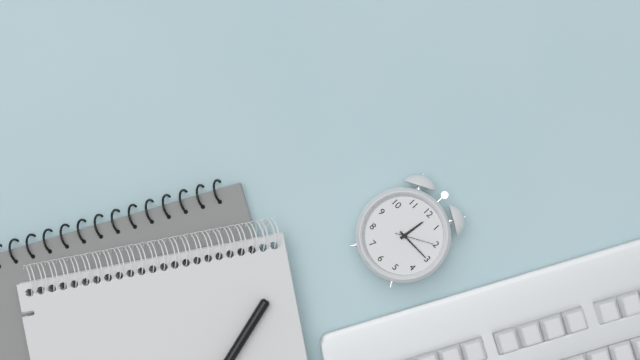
12.15
